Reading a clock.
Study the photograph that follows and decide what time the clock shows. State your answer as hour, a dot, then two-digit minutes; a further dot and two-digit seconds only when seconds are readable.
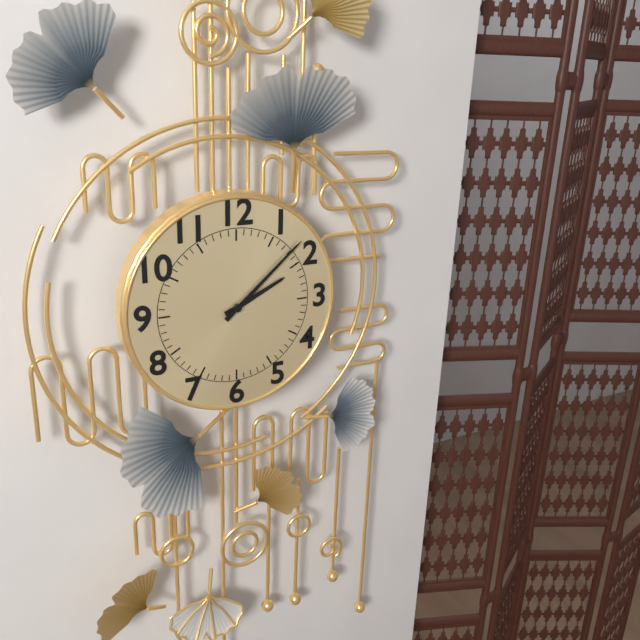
2.08
